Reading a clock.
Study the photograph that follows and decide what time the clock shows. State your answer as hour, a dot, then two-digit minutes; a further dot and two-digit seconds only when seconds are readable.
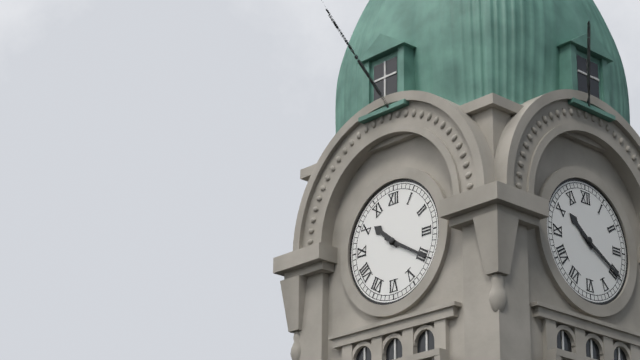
10.20
